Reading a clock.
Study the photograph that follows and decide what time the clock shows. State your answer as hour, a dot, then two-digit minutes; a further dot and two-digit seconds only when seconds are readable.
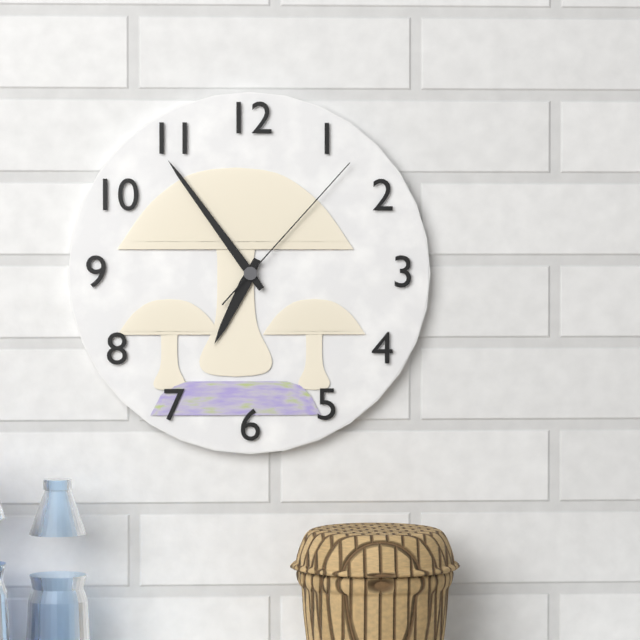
6.54.07
